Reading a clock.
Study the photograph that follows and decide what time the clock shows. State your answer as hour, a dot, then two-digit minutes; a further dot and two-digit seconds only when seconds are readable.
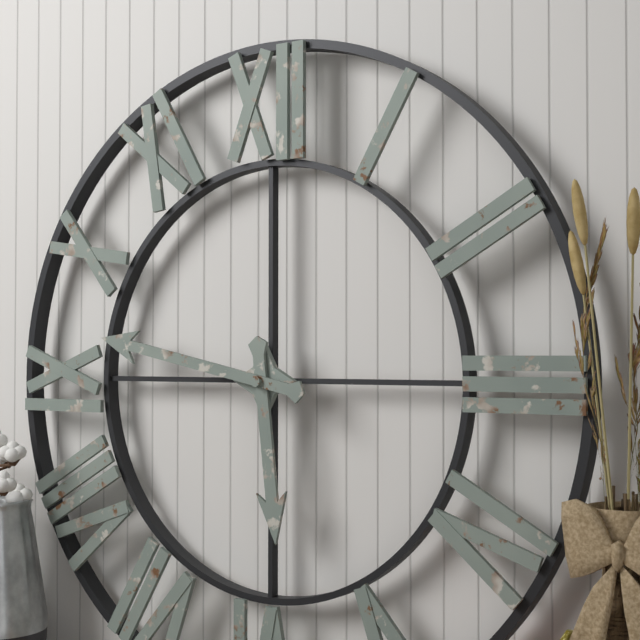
5.47
